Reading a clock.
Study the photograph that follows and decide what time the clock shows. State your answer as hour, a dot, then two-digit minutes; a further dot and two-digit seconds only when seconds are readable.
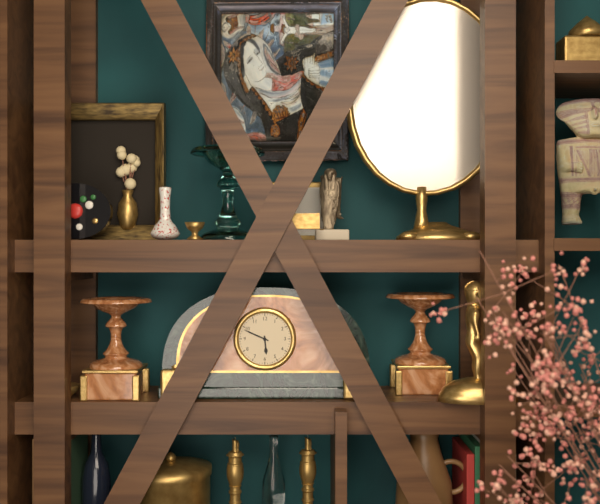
5.49
